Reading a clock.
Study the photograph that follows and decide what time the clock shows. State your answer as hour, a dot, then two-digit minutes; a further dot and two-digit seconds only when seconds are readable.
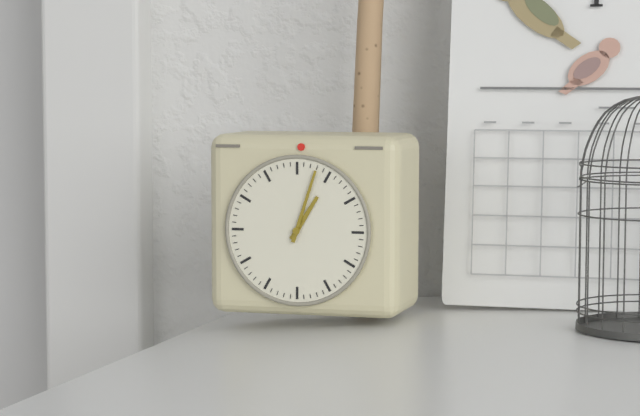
1.03
